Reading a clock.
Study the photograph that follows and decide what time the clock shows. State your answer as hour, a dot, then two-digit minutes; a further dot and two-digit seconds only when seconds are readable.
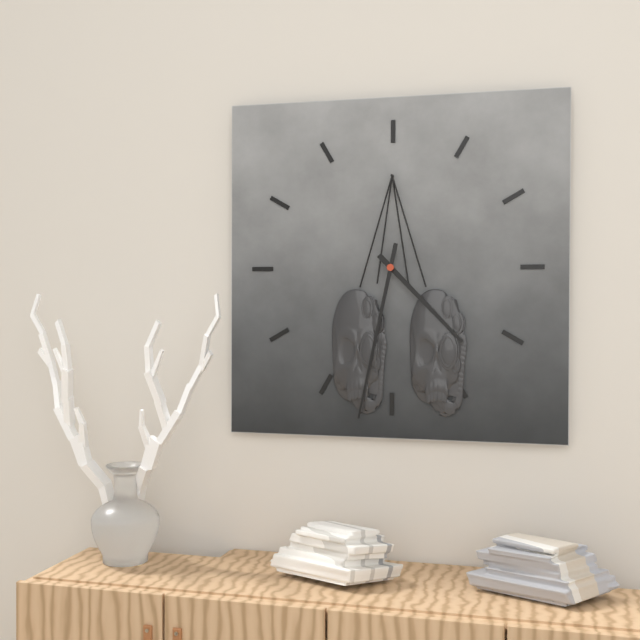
4.32
